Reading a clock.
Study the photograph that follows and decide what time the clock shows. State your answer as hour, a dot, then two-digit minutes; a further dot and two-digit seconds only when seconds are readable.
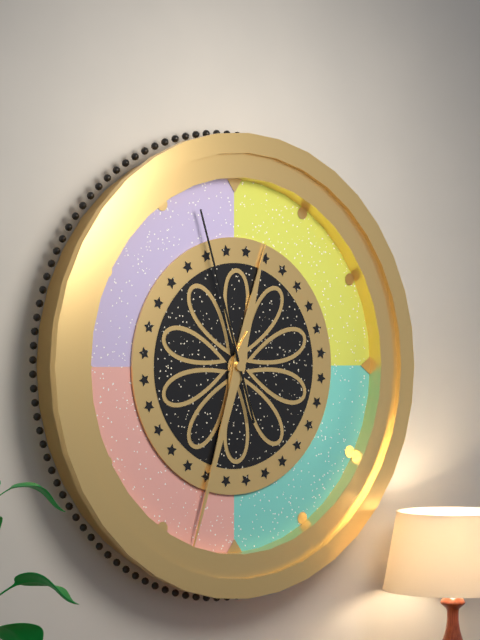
12.33.57
